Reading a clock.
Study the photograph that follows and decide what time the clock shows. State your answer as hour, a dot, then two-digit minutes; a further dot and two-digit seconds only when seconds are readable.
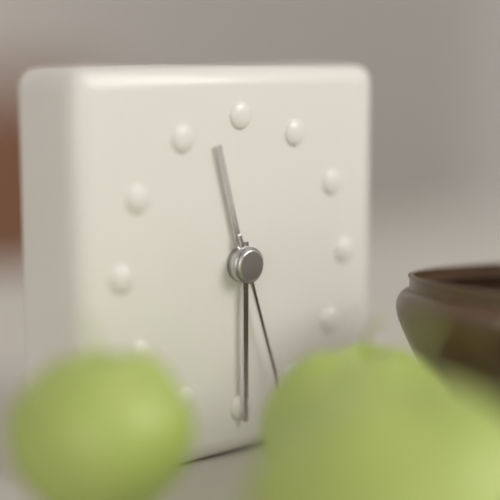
11.30.27
